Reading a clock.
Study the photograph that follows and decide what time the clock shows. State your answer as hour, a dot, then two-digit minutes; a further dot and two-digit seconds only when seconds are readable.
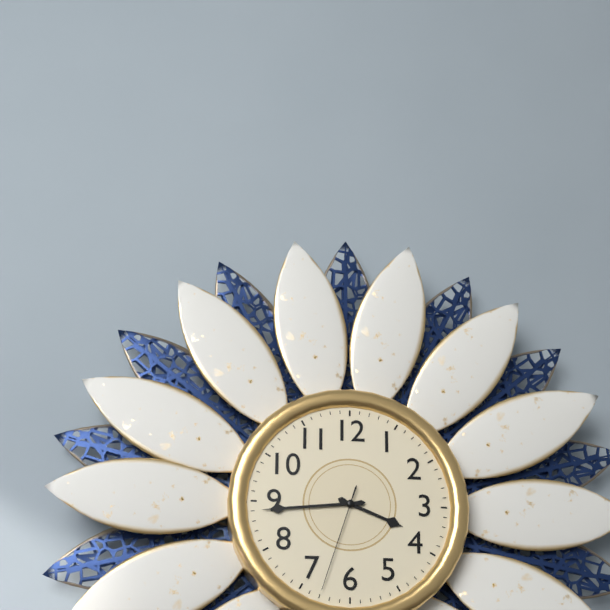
3.44.33
